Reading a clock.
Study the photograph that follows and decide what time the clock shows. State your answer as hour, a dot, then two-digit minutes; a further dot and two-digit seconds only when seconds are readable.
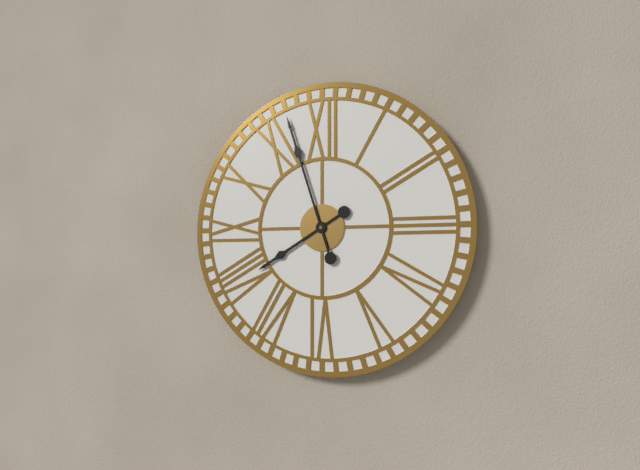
7.57
